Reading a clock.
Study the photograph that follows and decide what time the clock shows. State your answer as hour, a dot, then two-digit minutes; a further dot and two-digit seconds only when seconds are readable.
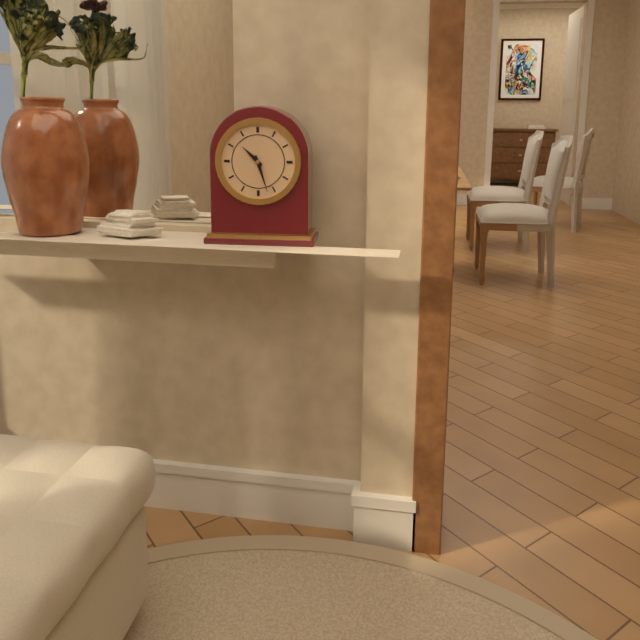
10.27
